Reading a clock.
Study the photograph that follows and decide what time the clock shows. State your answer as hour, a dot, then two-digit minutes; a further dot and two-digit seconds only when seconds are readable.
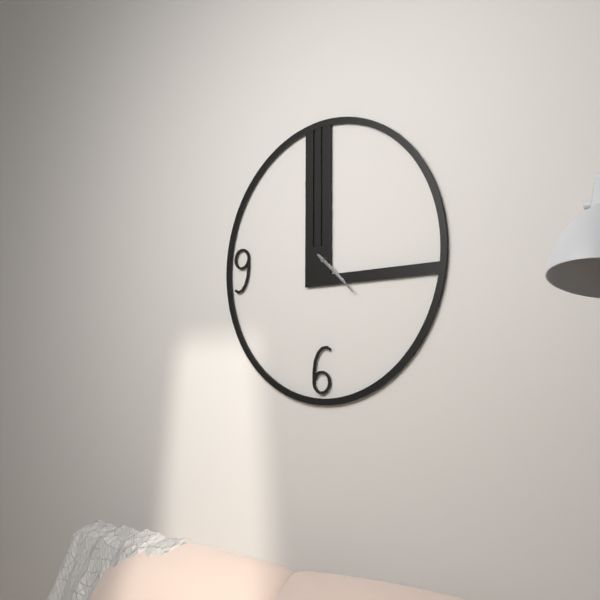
4.22
